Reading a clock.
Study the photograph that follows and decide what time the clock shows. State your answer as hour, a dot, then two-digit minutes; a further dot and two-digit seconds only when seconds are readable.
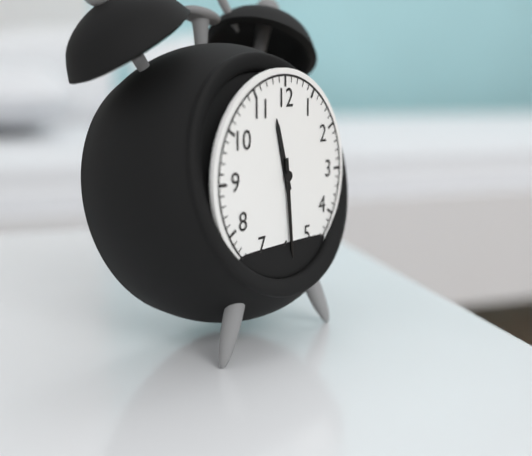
11.29
